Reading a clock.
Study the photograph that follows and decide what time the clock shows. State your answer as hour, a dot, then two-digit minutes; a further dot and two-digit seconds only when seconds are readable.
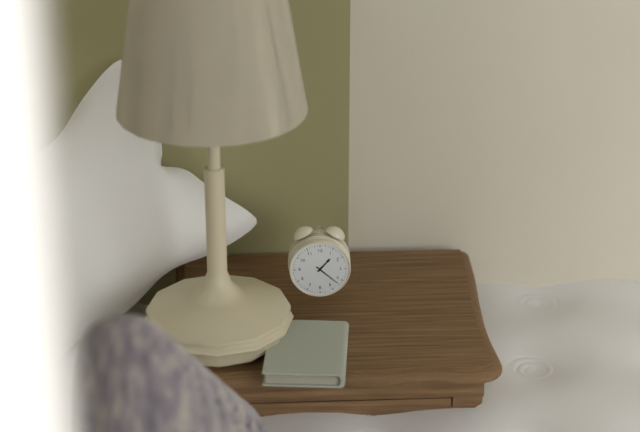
1.22
